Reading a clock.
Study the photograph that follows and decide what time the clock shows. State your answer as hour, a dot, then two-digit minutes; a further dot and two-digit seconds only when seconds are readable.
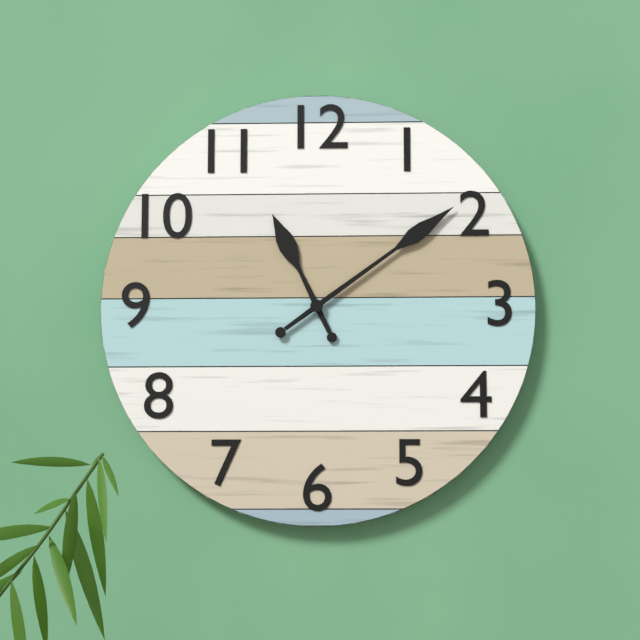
11.09
